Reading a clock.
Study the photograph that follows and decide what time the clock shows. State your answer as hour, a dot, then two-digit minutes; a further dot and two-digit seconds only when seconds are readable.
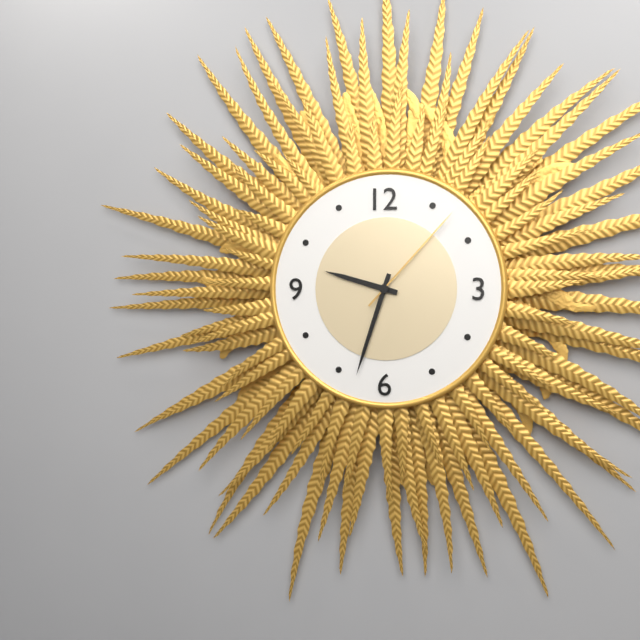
9.33.07
